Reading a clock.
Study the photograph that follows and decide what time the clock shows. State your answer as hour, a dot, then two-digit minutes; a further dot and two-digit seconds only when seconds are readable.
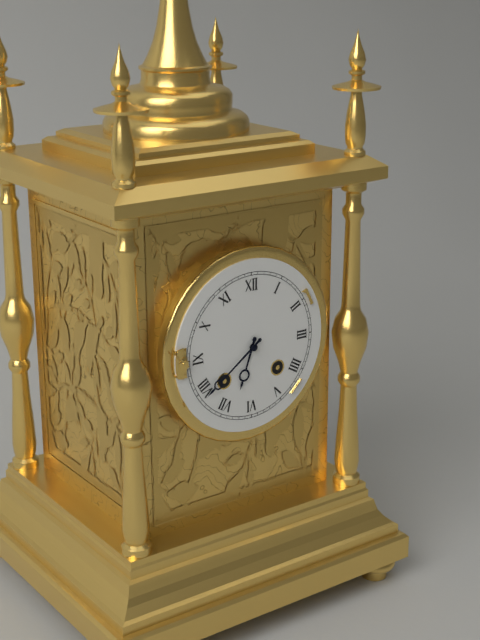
6.39
